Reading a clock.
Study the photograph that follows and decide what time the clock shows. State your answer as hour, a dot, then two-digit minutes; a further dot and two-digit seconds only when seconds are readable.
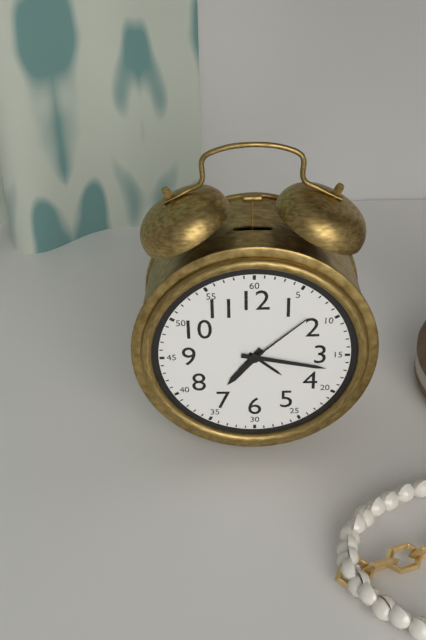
7.17.08
